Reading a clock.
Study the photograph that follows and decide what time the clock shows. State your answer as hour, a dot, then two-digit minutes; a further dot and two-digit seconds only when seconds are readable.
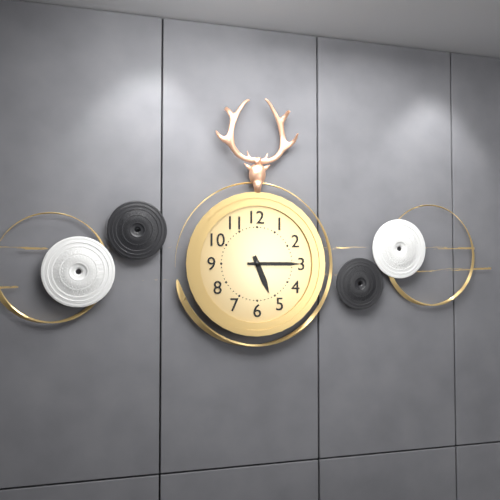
5.15
